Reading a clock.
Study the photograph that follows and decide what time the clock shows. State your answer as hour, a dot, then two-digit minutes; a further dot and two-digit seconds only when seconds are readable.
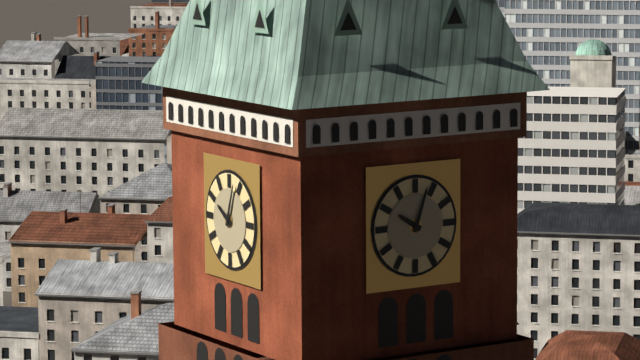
10.03
